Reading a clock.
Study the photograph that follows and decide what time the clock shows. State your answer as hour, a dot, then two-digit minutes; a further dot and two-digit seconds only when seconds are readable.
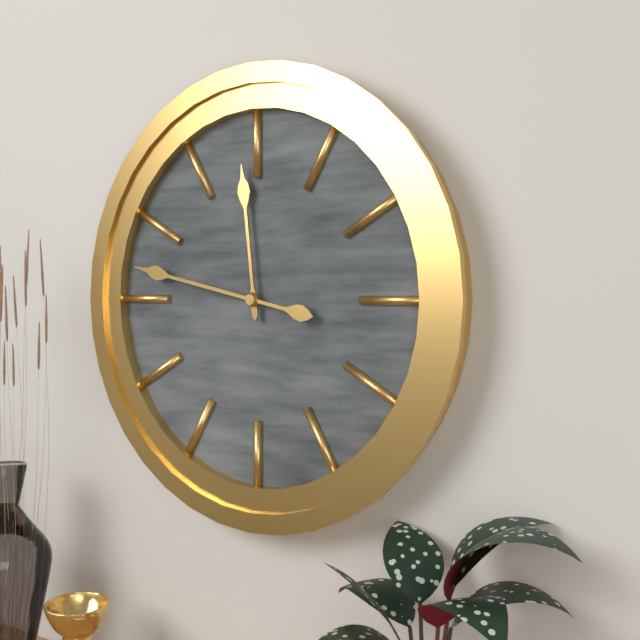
11.47
